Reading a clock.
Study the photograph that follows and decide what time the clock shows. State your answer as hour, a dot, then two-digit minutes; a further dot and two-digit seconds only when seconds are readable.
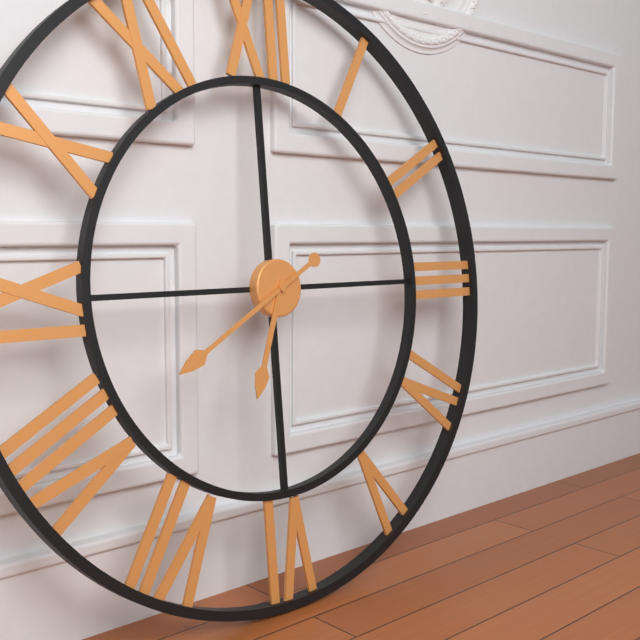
6.40
